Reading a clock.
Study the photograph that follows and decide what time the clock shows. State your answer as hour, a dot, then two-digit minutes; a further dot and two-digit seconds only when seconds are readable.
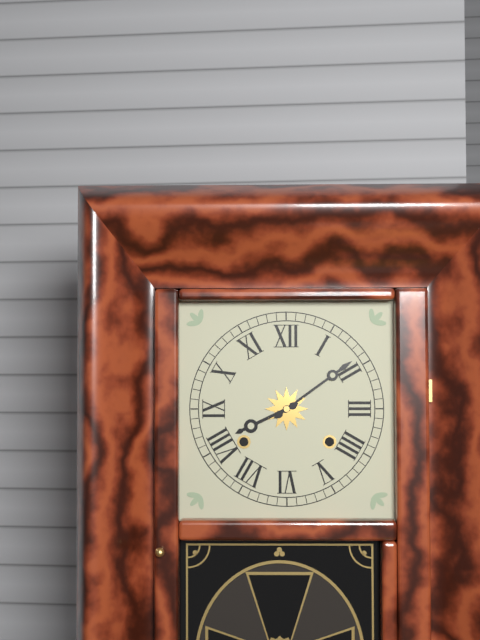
8.09
